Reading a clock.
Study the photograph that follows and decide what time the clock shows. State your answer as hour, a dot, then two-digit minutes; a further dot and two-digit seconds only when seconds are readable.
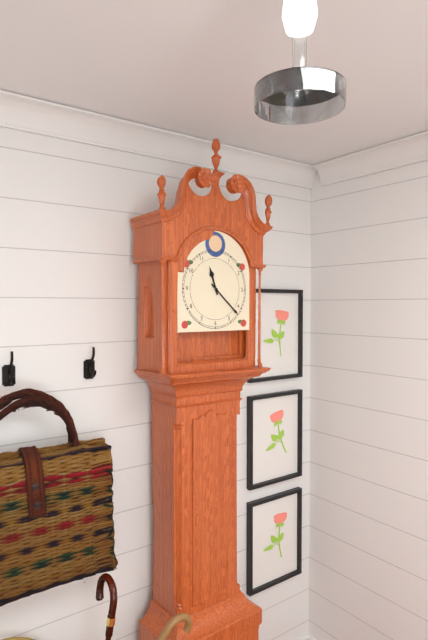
11.22
